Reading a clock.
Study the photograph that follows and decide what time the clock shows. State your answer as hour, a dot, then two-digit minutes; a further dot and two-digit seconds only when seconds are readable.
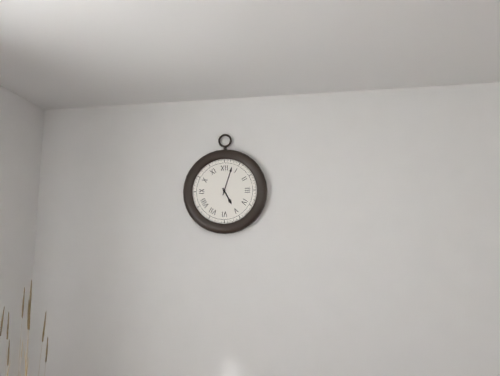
5.03
